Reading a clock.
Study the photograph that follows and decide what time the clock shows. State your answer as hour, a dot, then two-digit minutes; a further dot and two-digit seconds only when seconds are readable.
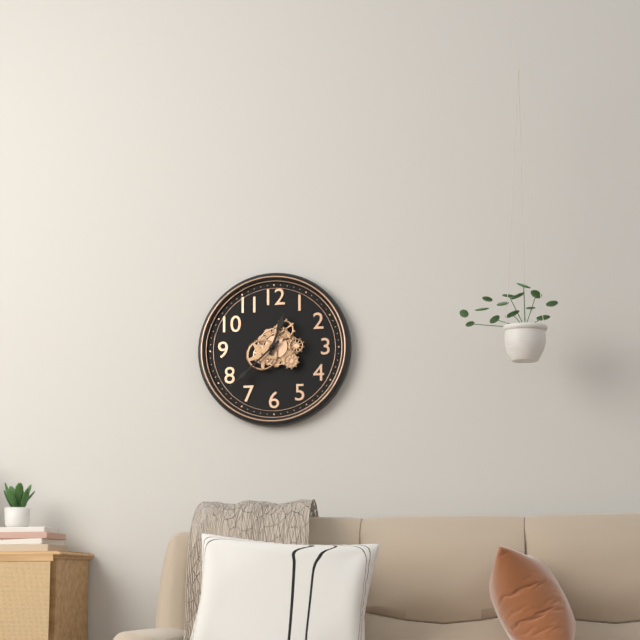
12.38
